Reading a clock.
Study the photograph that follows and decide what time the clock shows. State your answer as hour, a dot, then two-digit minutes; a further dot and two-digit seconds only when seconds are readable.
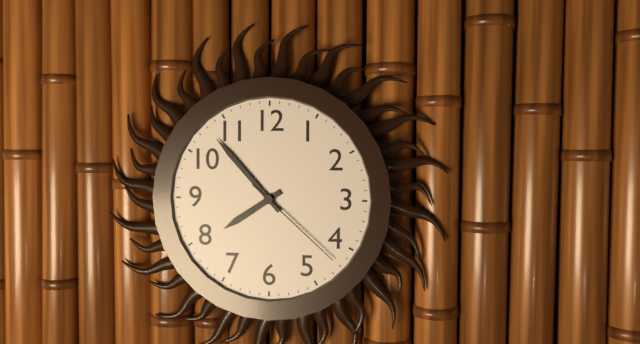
7.53.22
